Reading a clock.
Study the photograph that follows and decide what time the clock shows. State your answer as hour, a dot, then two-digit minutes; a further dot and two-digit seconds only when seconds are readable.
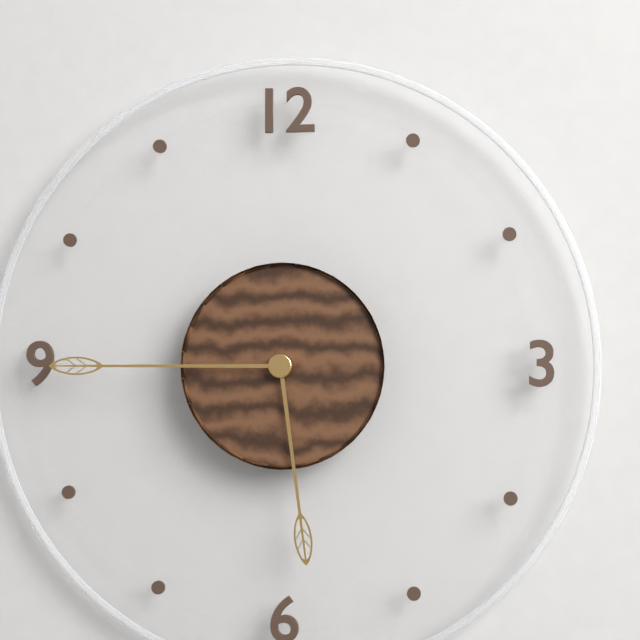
5.45
